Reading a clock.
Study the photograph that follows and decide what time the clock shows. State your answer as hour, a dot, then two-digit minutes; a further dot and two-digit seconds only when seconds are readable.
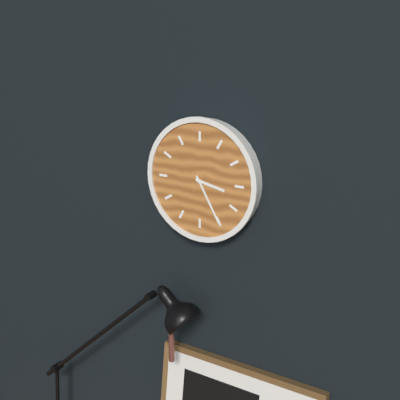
3.25
